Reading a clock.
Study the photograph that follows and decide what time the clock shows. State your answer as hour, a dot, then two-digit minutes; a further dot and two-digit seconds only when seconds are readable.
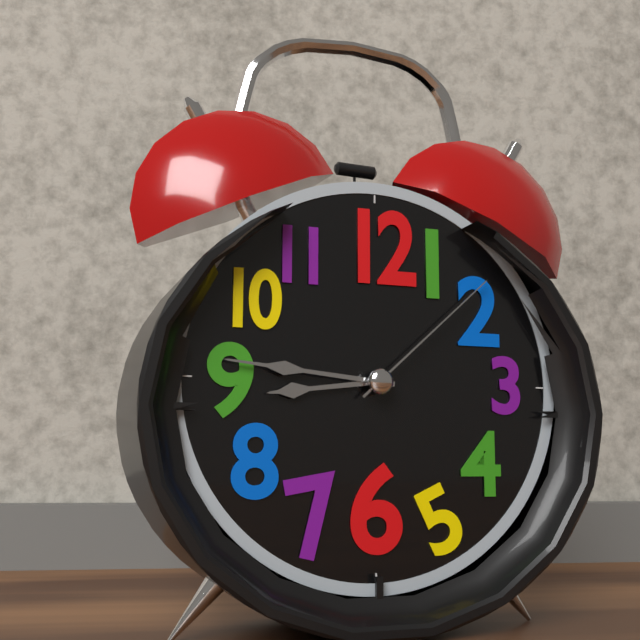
8.46.08
